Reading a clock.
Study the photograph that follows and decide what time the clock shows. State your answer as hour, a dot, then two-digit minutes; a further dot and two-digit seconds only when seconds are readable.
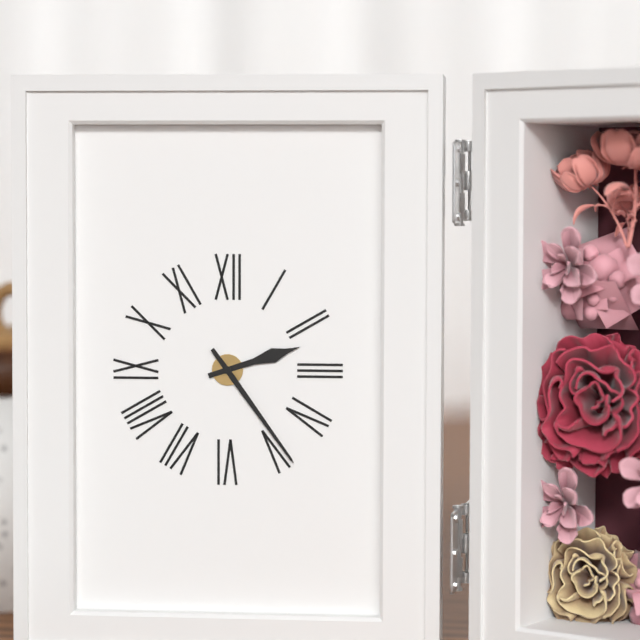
2.24
